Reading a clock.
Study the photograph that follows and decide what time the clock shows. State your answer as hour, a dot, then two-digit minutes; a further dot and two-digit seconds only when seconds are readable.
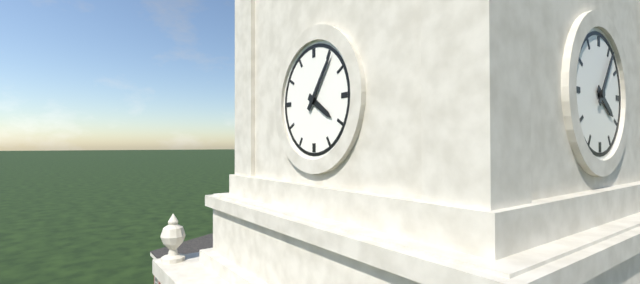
4.06
